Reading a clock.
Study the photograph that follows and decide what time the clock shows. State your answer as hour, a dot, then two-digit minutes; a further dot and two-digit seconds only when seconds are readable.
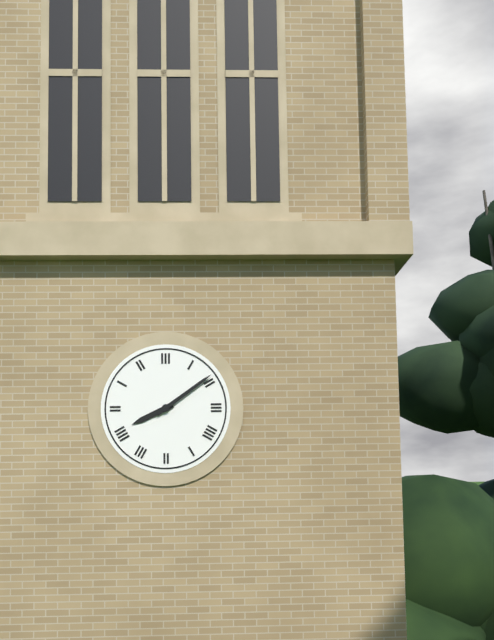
8.09
